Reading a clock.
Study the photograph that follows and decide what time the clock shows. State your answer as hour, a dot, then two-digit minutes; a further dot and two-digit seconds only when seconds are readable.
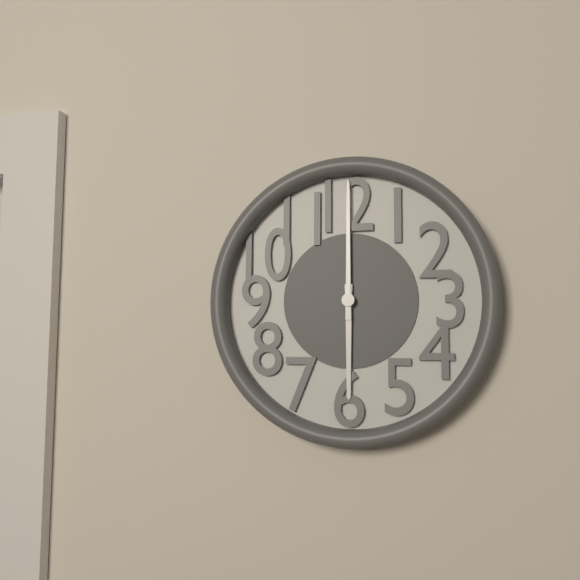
6.00
